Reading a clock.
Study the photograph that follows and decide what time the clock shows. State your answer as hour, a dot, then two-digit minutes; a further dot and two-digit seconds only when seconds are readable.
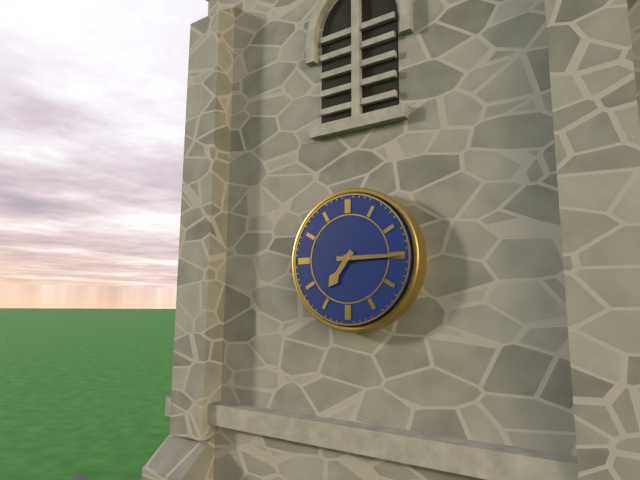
7.15
